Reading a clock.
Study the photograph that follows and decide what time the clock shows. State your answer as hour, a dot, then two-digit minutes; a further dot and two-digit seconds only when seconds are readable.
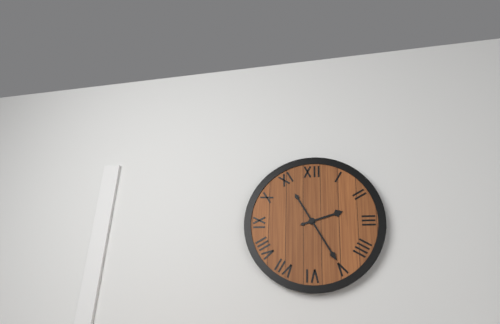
2.25
